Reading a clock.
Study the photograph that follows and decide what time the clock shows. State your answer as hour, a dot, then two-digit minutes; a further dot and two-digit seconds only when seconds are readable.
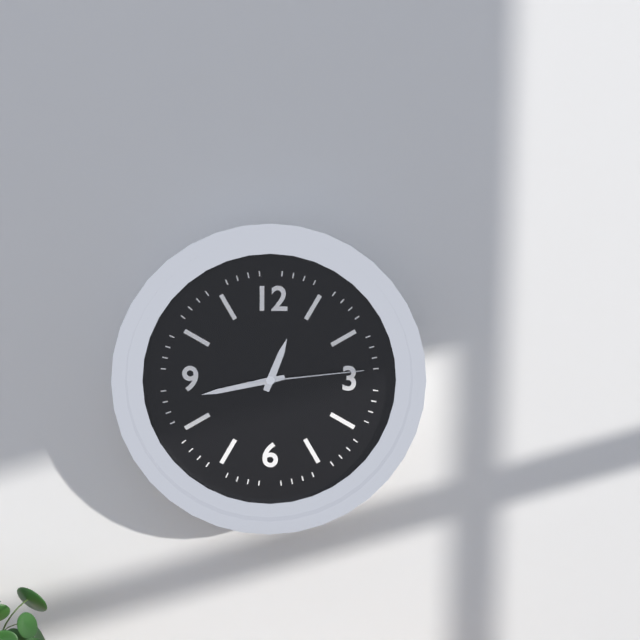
12.43.14
